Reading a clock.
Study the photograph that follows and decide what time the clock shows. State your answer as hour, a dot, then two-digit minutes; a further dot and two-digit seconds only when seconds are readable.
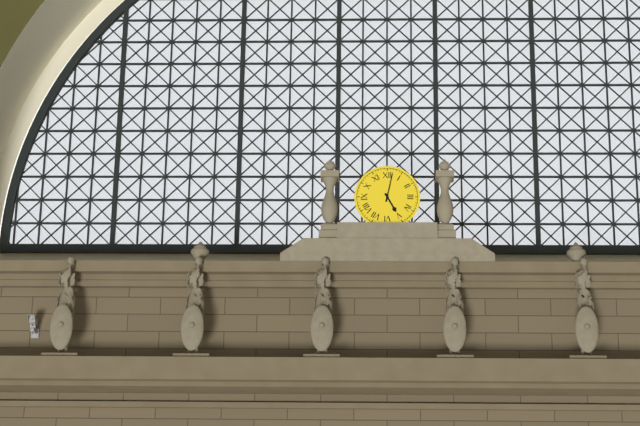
5.02
